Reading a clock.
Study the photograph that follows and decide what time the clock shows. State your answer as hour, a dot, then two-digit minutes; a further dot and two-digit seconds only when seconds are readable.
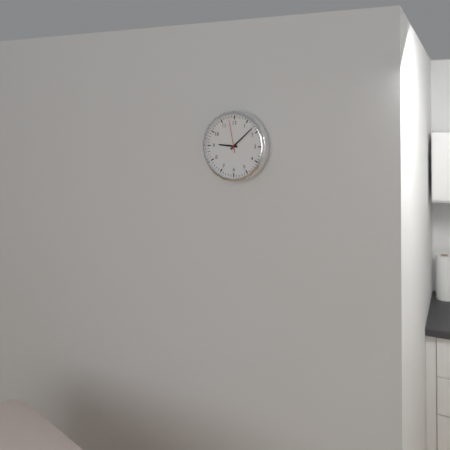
9.08
